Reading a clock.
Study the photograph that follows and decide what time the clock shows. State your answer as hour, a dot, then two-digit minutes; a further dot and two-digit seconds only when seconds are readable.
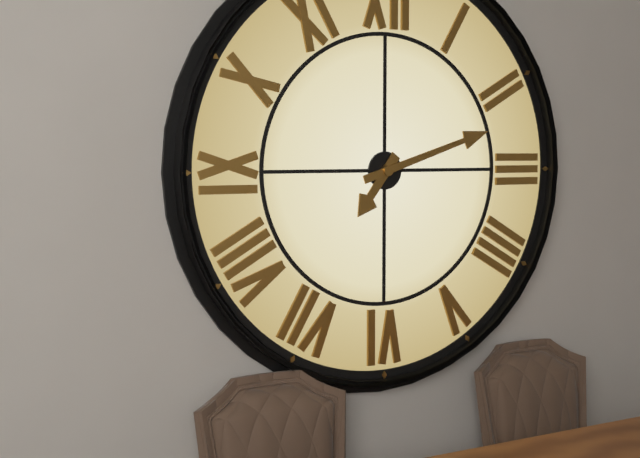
7.12
